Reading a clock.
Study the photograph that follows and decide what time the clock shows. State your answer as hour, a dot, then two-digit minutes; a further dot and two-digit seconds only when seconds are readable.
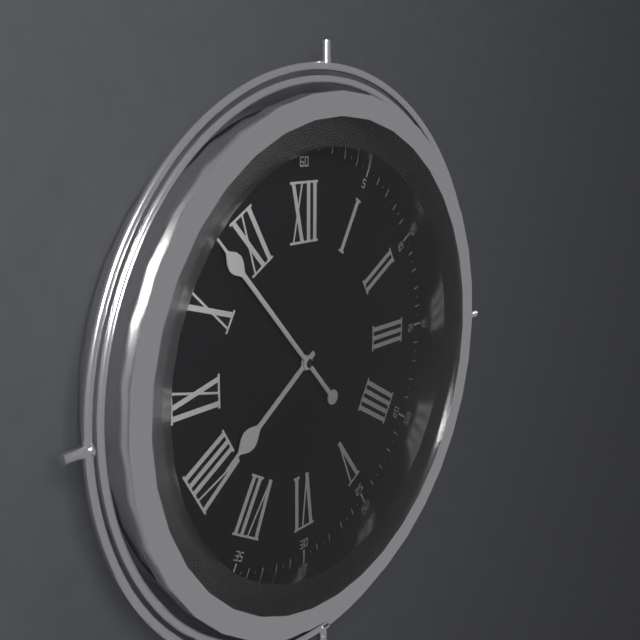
7.53
